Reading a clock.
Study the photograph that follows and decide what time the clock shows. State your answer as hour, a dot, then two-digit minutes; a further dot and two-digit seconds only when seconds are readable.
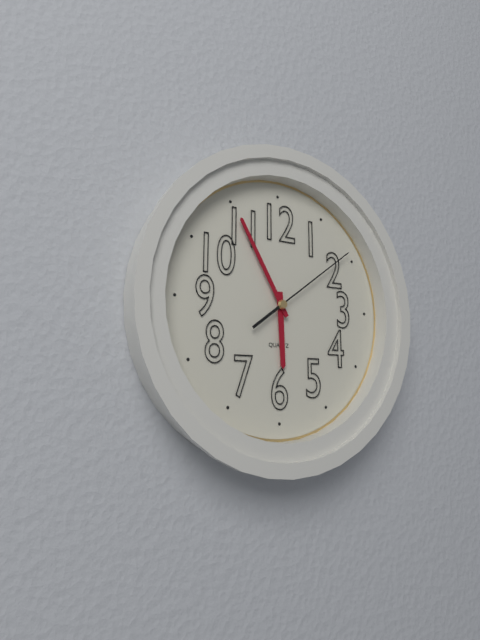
5.55.09
